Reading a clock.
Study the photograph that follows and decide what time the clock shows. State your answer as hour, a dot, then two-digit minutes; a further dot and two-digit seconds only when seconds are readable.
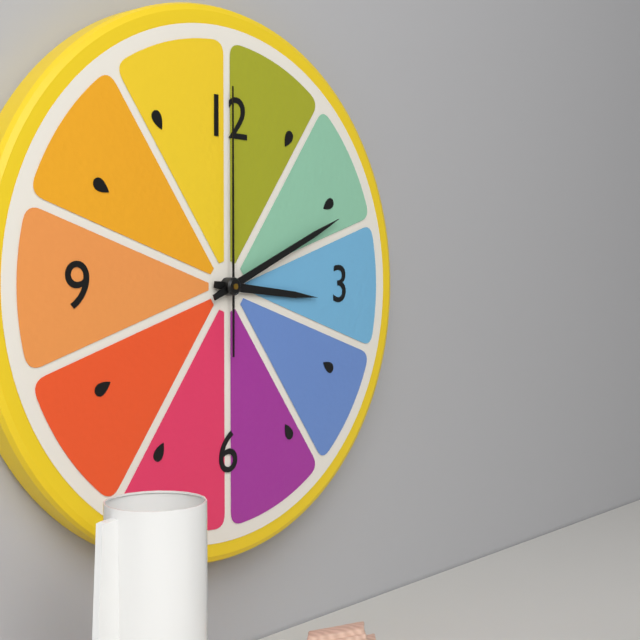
3.11.00
